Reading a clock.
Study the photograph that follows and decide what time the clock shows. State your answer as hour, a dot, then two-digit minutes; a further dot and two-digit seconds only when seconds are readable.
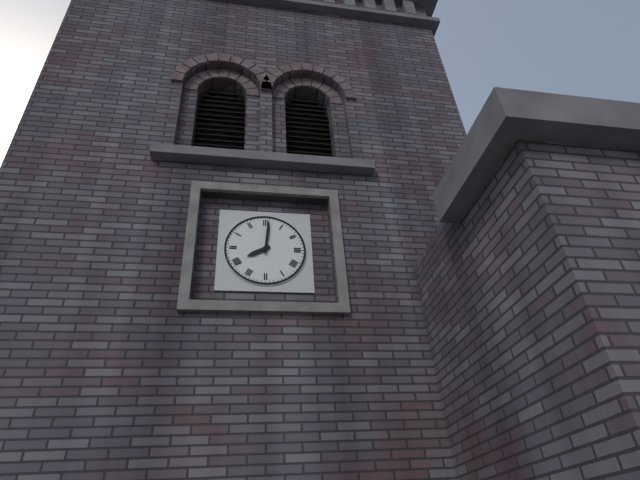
8.01
